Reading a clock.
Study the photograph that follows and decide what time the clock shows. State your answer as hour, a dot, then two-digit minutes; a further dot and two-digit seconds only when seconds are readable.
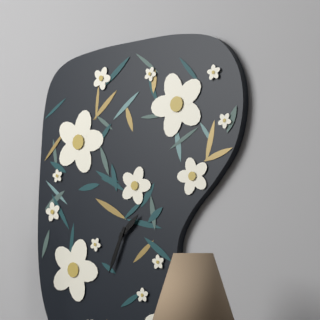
1.34
